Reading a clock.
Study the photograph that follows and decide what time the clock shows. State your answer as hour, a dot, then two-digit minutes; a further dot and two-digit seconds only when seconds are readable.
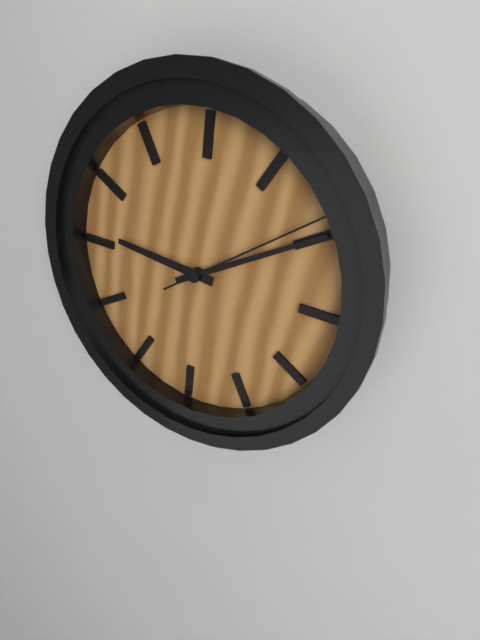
9.10.09
